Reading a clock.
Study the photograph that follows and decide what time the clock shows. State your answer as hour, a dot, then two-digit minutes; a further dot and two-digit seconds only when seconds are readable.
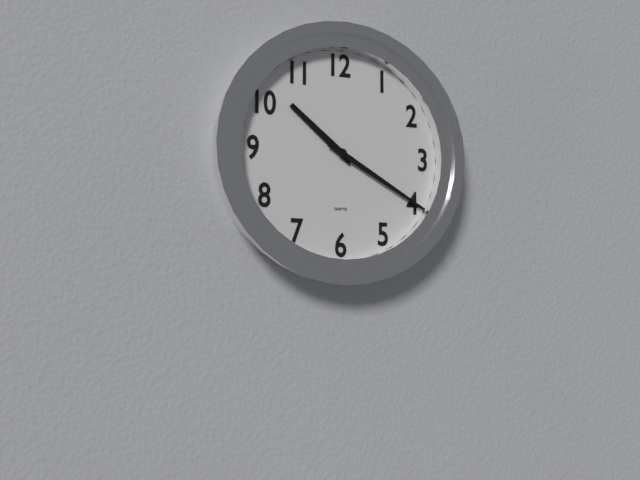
10.20
